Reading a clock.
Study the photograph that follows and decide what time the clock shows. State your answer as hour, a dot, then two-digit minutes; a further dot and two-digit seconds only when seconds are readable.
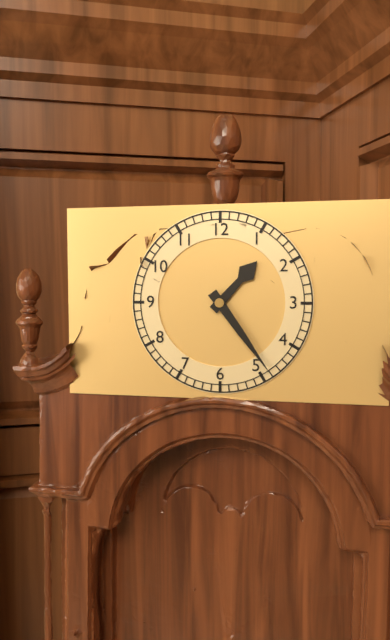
1.24
